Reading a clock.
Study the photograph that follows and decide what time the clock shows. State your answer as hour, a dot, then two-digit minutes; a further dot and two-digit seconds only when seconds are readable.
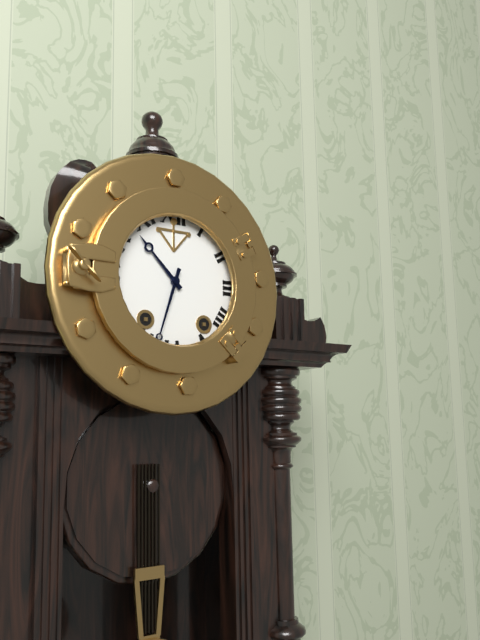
10.33
